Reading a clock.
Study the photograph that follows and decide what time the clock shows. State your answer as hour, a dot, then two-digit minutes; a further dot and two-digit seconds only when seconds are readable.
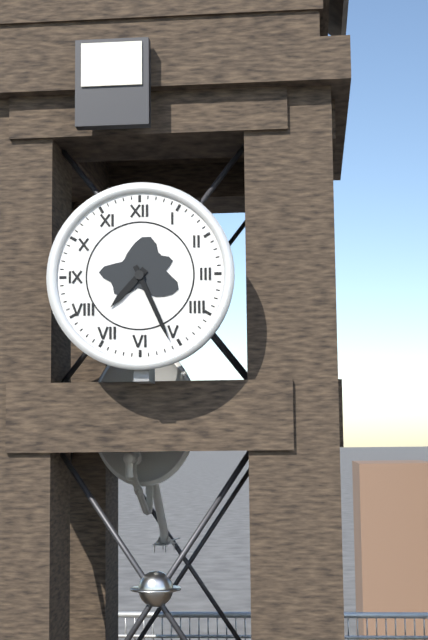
7.26
